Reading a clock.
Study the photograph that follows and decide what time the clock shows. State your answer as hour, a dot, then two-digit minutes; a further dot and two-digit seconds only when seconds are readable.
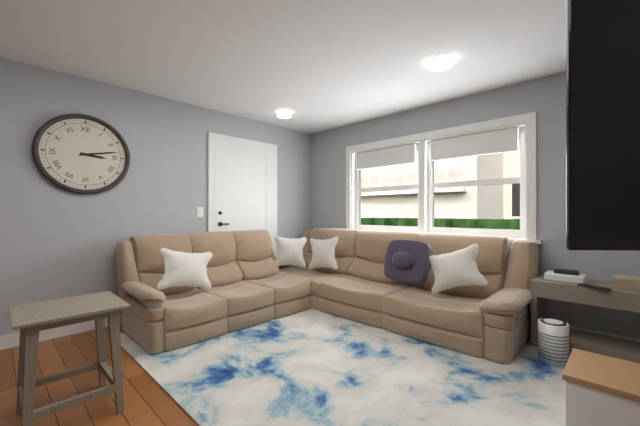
3.13
